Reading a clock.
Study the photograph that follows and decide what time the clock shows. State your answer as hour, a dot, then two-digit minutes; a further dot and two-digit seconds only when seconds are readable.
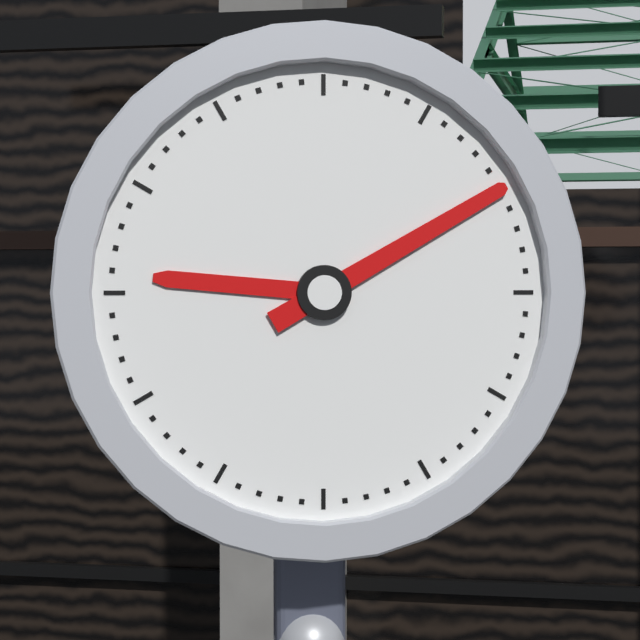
9.10
